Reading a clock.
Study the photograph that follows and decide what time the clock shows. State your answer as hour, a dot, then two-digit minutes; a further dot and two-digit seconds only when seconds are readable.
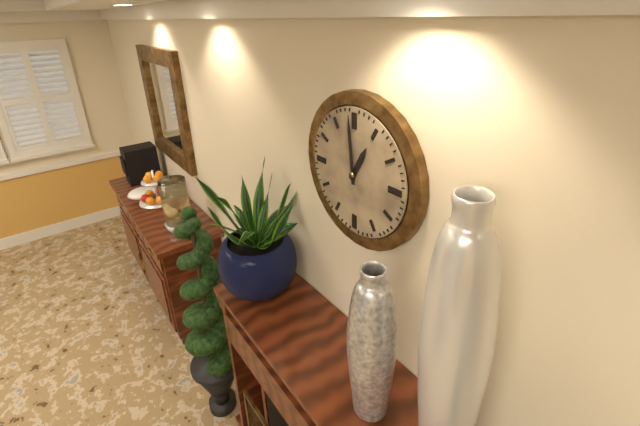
12.59
